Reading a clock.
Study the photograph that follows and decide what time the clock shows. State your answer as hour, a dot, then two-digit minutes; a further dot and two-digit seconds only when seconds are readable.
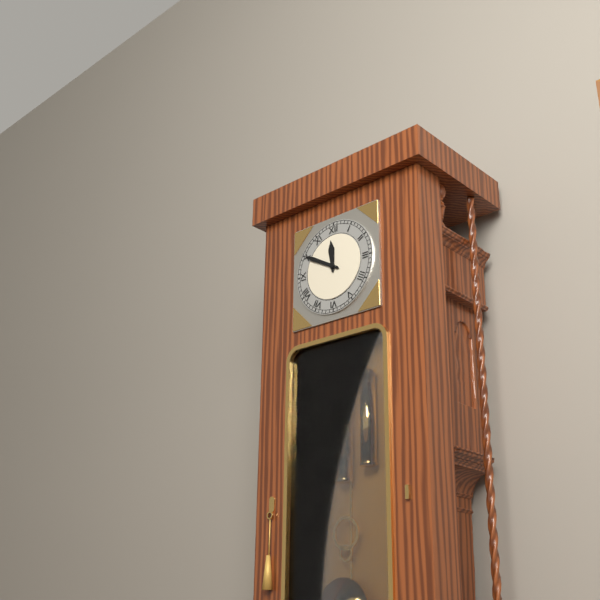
11.50
